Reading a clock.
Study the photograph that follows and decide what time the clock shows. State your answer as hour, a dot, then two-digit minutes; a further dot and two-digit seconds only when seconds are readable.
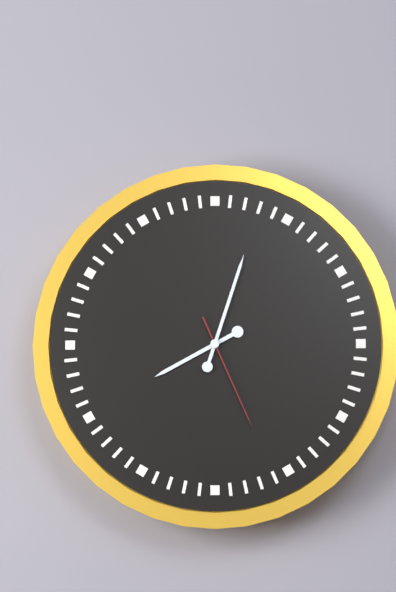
8.03.26
